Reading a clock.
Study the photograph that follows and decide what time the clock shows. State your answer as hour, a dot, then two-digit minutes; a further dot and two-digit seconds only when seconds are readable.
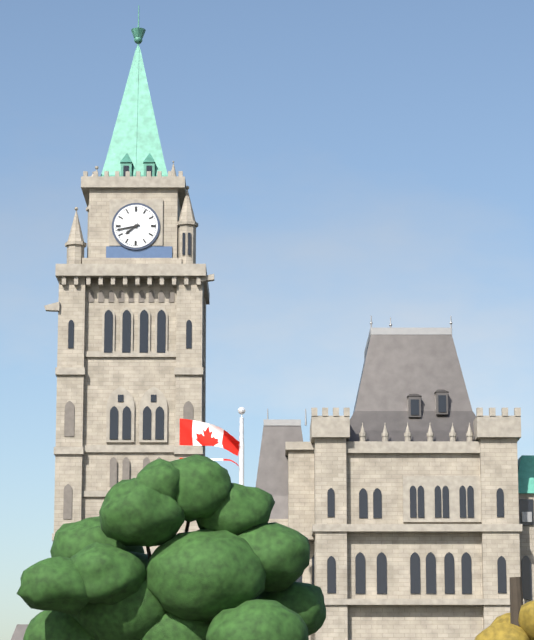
7.43
